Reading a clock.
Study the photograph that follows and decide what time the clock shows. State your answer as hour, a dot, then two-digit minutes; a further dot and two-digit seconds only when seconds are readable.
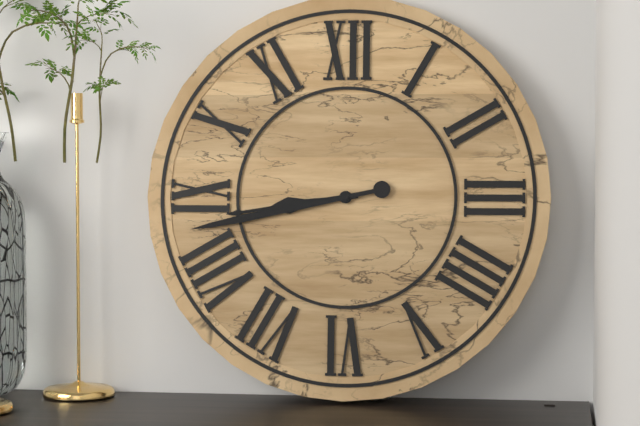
8.43
